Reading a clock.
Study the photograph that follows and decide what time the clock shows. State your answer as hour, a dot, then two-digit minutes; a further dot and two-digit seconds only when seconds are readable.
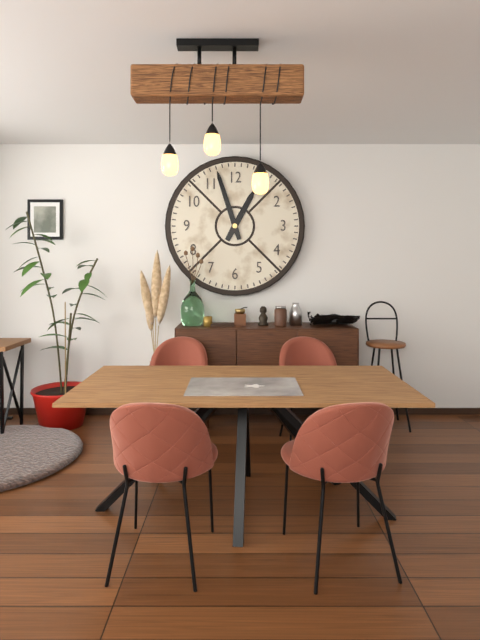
12.57
